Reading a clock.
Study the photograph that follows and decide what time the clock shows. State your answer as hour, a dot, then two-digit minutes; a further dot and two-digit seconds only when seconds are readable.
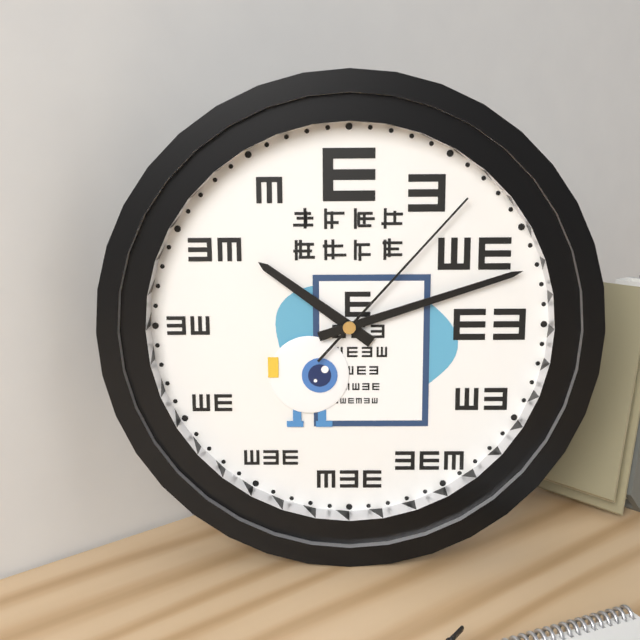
10.12.07
